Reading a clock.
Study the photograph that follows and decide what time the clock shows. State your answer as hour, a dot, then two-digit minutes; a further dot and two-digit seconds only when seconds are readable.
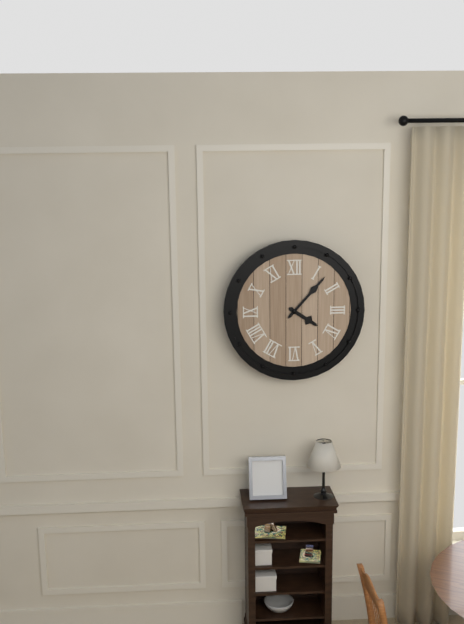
4.07
